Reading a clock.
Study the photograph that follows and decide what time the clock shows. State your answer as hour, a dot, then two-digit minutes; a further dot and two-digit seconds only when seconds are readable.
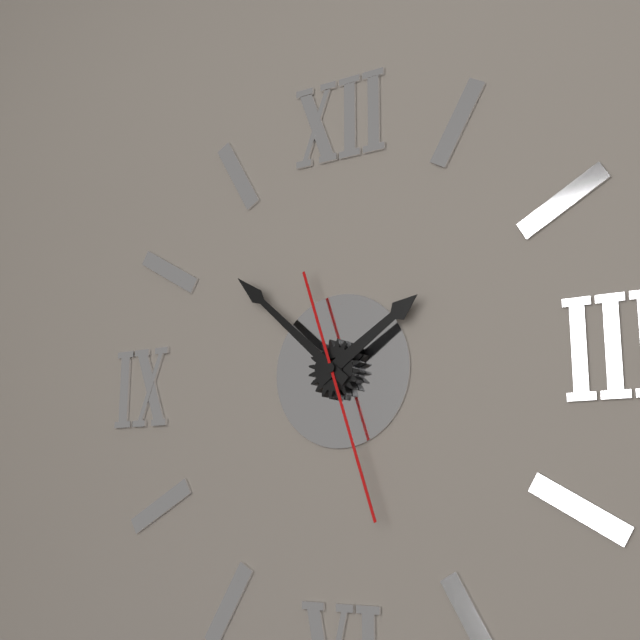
1.52.27
